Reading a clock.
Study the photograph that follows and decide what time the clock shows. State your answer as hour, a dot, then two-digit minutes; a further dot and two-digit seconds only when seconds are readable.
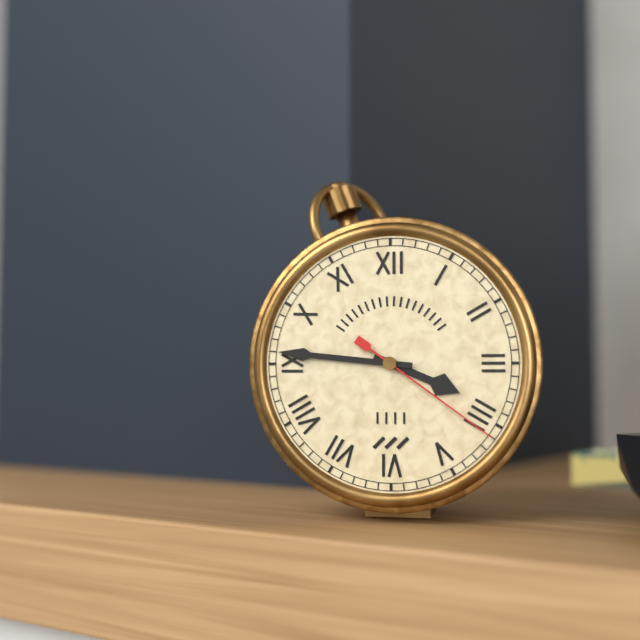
3.46.21
